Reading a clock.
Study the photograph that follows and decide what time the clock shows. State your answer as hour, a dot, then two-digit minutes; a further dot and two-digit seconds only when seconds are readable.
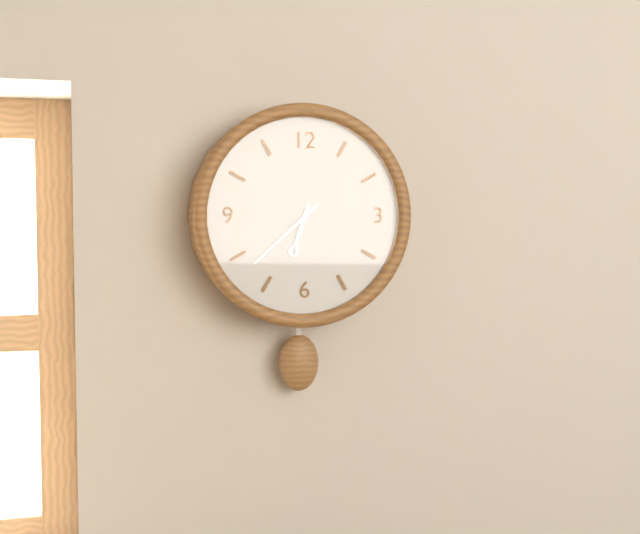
6.38
